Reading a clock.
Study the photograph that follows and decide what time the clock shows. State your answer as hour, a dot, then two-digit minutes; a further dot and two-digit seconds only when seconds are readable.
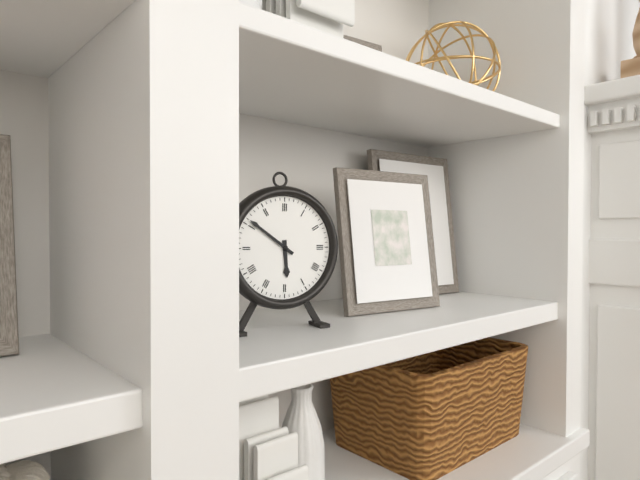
5.51
